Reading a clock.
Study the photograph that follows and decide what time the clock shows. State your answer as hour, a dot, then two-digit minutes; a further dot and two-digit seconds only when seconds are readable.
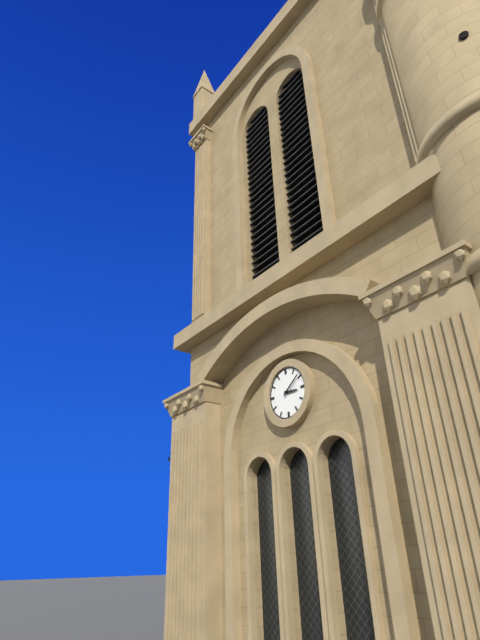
3.09
